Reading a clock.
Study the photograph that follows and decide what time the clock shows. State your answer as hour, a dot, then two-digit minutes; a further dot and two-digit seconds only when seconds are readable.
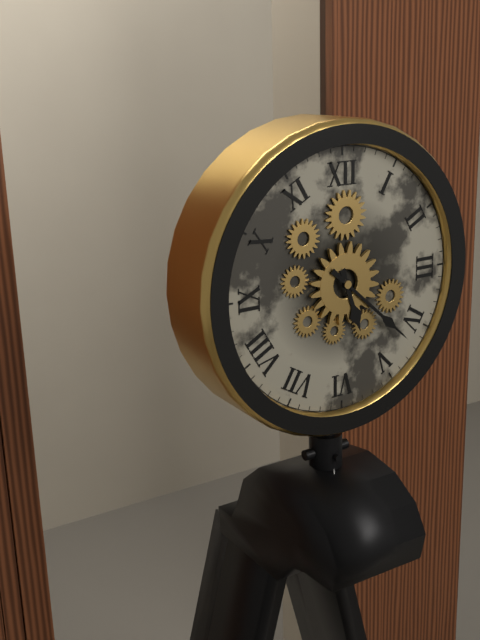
5.22
